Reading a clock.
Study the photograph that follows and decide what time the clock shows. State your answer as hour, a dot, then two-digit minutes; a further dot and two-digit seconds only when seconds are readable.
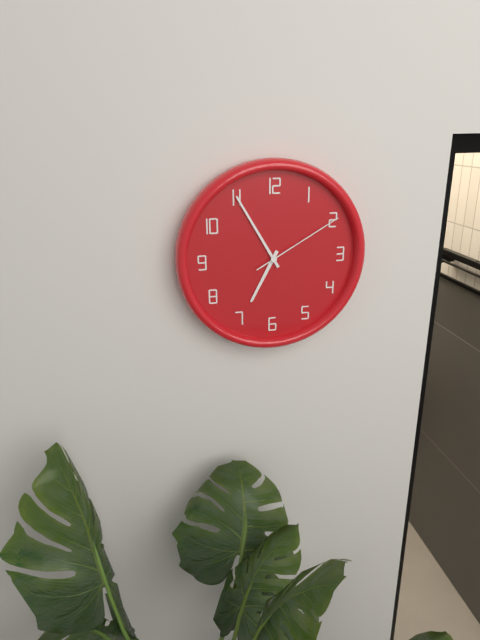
6.55.10
